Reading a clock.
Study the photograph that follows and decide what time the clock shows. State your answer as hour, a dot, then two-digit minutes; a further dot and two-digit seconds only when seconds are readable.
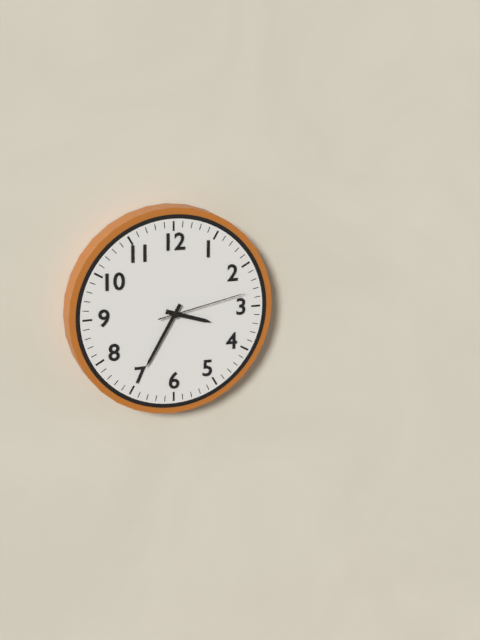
3.35.13
